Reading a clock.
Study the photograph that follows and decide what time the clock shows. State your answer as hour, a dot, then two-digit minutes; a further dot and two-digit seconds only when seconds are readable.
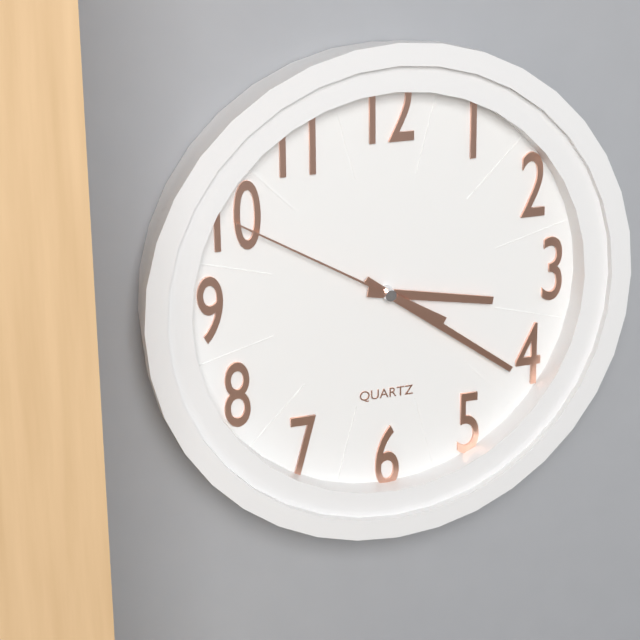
3.21.50
